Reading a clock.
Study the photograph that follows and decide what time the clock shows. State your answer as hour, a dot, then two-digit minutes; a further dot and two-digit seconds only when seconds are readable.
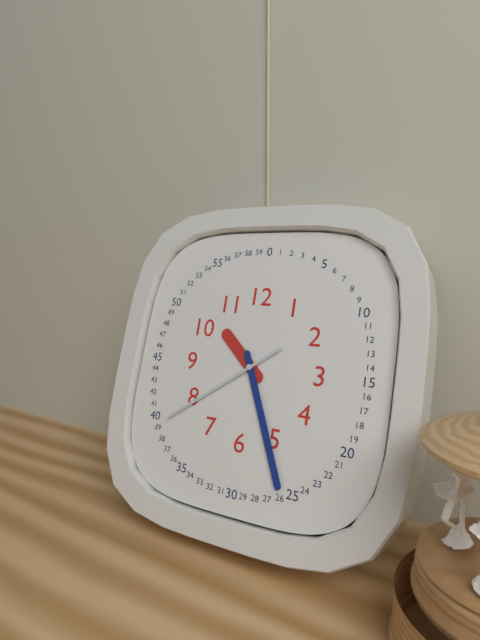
10.26.39
